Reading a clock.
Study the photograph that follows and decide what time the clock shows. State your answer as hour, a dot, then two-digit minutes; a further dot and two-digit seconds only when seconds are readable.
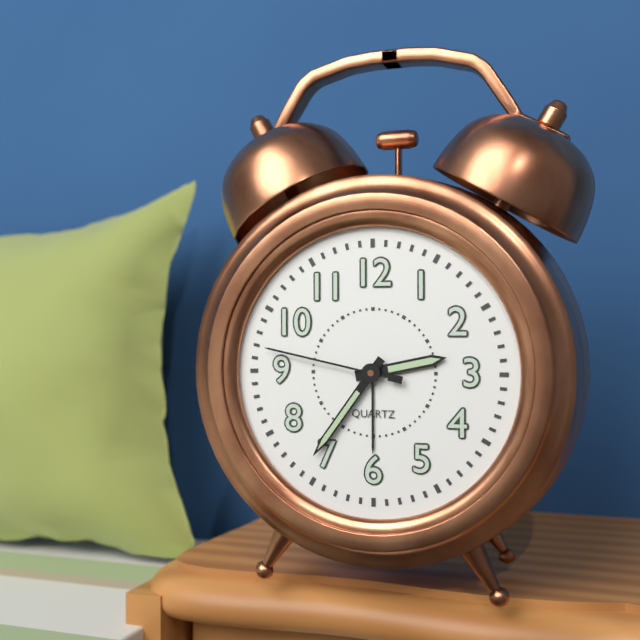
2.36.47
